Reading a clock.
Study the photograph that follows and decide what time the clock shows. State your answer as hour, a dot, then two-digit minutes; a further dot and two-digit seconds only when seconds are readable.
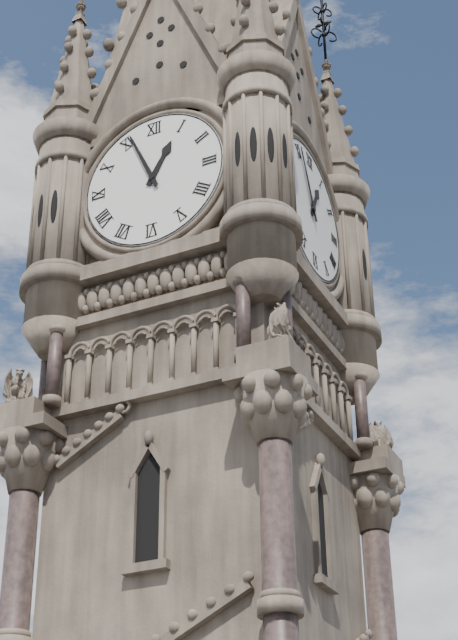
12.56
